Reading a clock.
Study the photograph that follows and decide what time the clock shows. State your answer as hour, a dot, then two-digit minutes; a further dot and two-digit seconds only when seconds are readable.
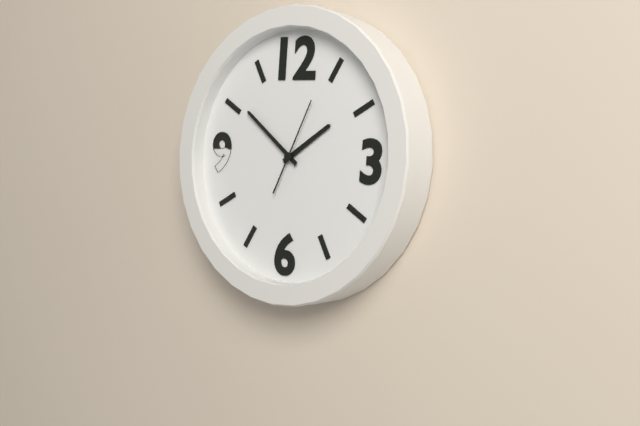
1.51.04
